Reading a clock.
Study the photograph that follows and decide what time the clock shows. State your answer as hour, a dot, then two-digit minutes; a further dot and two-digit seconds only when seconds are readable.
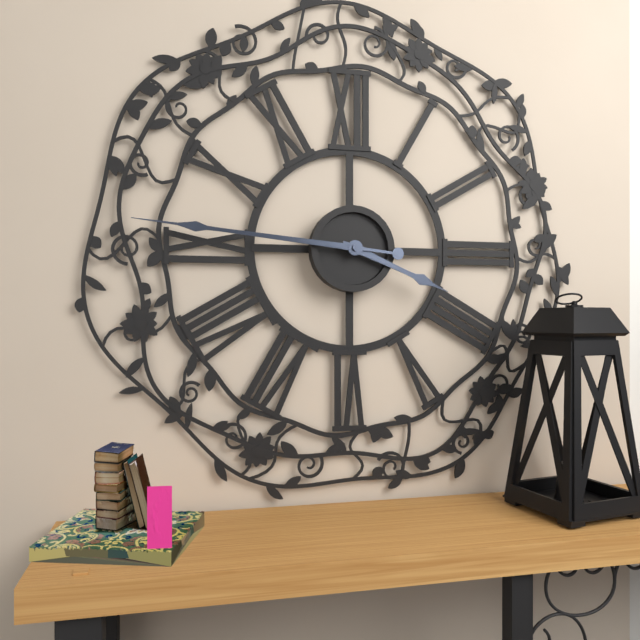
3.46
